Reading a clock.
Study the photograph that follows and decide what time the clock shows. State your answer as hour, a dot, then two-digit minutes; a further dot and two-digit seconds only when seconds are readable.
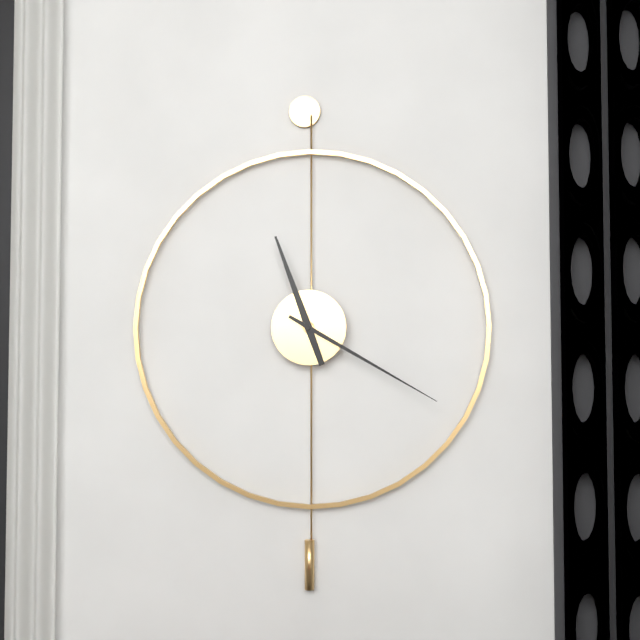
11.20
